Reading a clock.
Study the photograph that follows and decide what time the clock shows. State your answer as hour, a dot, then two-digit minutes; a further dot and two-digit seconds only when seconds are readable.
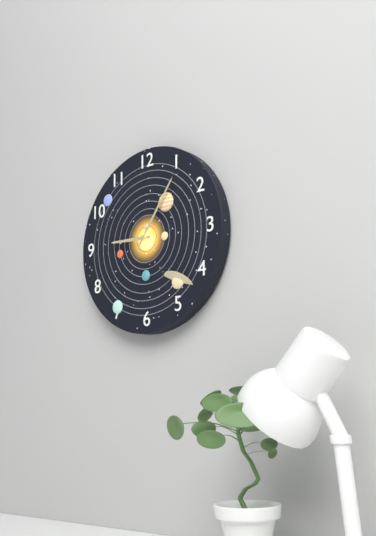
9.06
